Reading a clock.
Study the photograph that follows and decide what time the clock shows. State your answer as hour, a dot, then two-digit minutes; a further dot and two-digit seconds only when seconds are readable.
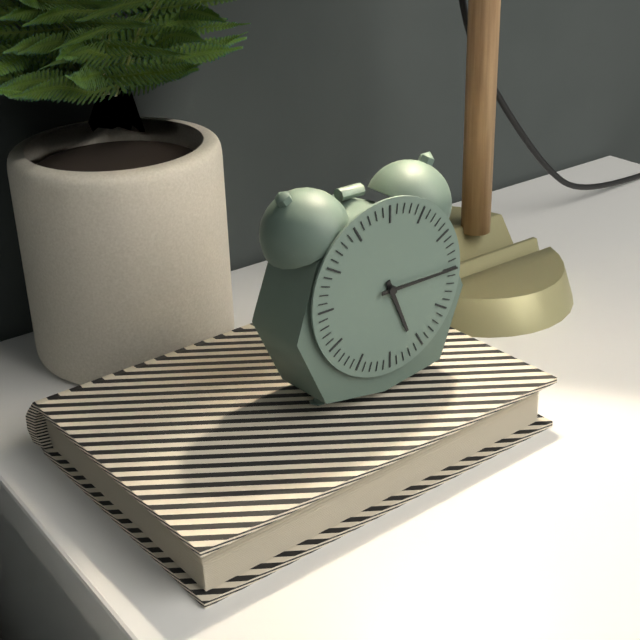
5.15
